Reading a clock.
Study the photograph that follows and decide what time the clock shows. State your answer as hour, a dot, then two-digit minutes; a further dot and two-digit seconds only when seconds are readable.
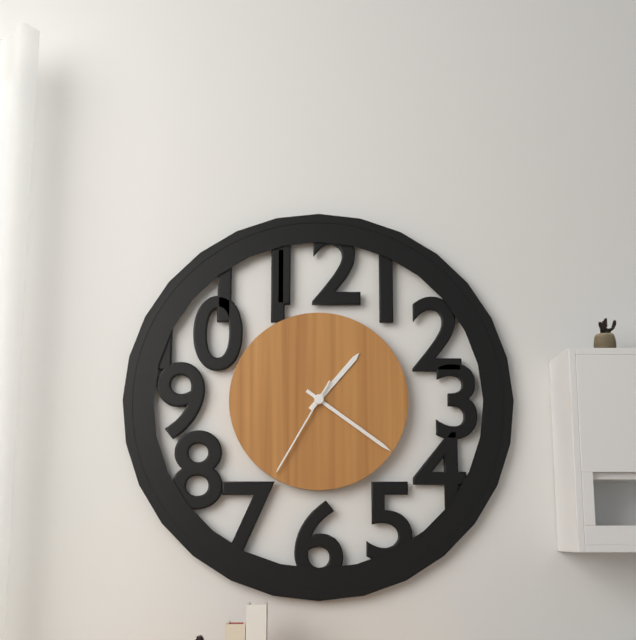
1.21.35
